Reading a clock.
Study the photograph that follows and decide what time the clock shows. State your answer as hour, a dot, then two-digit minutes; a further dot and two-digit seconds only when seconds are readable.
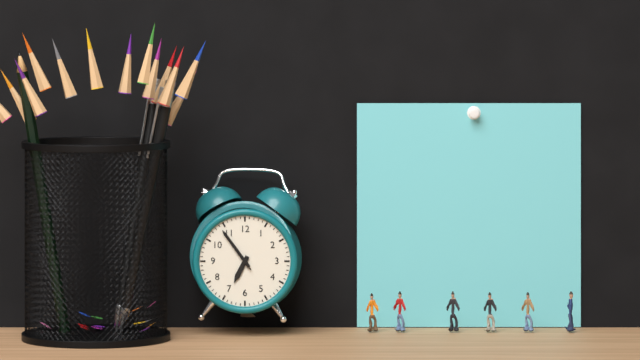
6.54
